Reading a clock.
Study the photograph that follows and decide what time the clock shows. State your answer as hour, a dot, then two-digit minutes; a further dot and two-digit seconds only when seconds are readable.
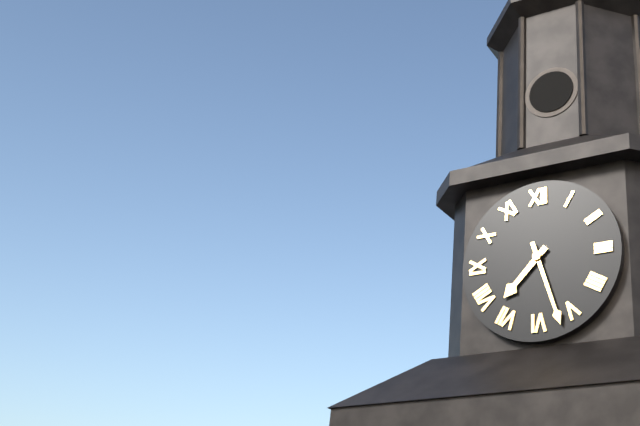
7.27
